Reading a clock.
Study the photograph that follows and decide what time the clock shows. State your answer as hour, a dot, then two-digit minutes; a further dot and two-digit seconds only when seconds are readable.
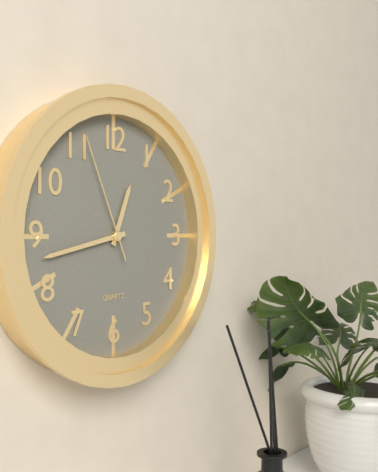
12.43.56
